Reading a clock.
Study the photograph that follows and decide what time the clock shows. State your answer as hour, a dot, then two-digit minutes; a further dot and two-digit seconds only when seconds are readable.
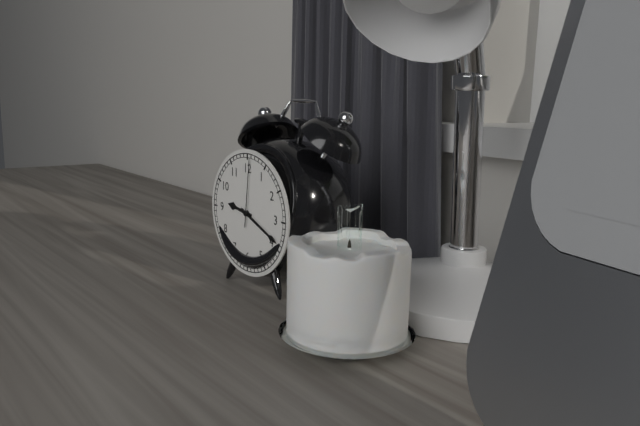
9.19.01
